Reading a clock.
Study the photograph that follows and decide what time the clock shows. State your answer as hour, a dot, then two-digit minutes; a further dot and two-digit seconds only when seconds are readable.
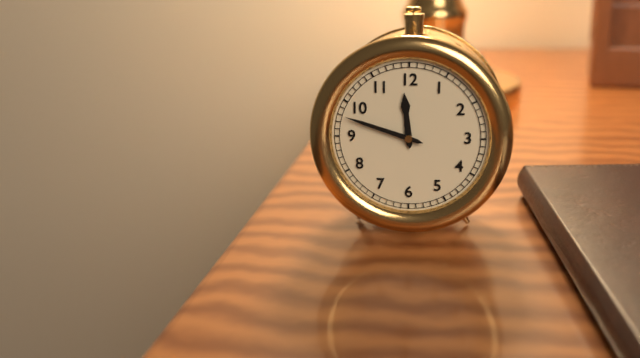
11.48
